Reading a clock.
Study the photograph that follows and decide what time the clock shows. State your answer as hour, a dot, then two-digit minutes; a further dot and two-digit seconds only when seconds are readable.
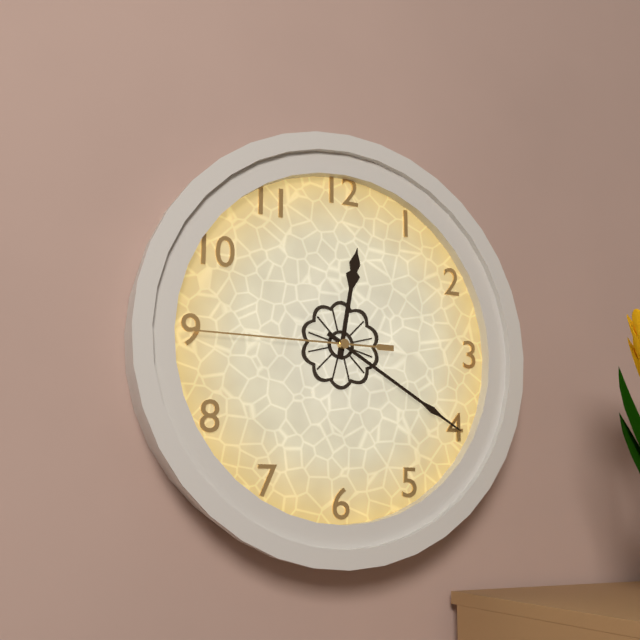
12.20.45
